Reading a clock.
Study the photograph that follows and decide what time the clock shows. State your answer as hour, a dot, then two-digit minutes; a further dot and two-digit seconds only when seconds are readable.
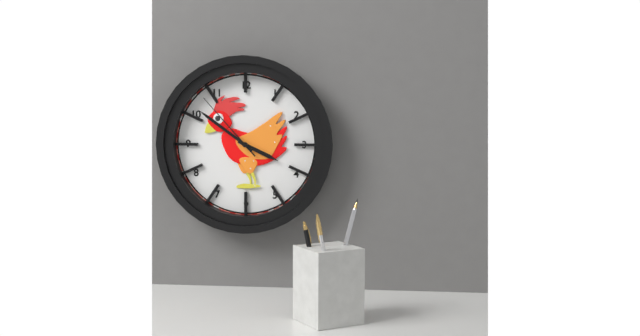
3.51.53
